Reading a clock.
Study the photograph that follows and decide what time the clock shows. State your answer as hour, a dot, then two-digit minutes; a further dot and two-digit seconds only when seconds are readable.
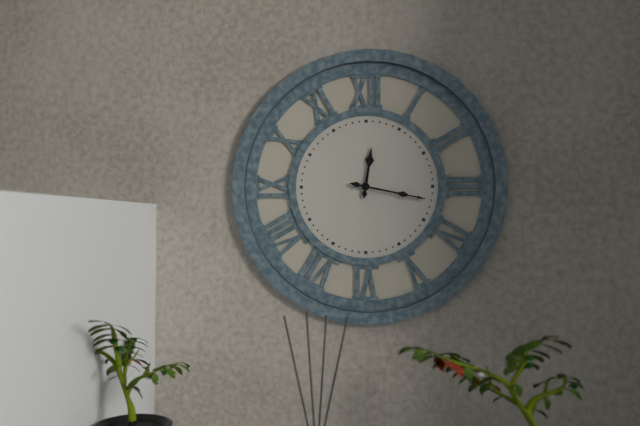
12.17
